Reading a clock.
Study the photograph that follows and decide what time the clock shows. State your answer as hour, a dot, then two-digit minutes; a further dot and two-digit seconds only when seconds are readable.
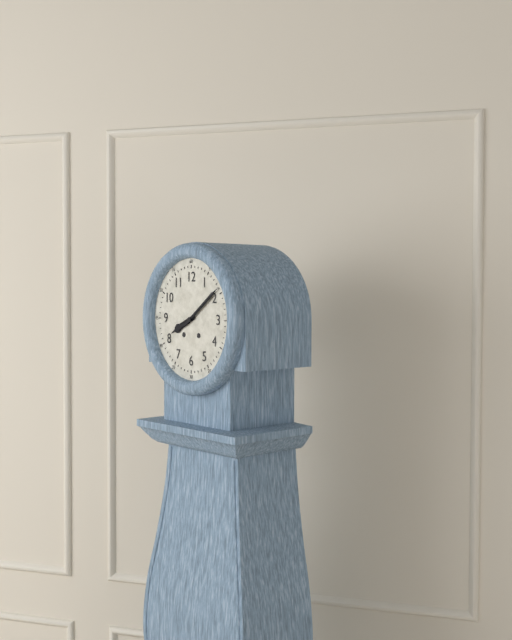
8.09
